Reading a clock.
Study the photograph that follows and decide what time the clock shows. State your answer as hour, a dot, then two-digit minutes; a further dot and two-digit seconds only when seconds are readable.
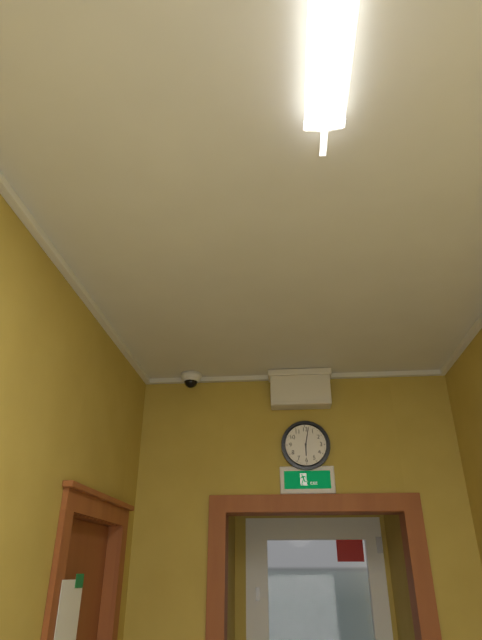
6.02
